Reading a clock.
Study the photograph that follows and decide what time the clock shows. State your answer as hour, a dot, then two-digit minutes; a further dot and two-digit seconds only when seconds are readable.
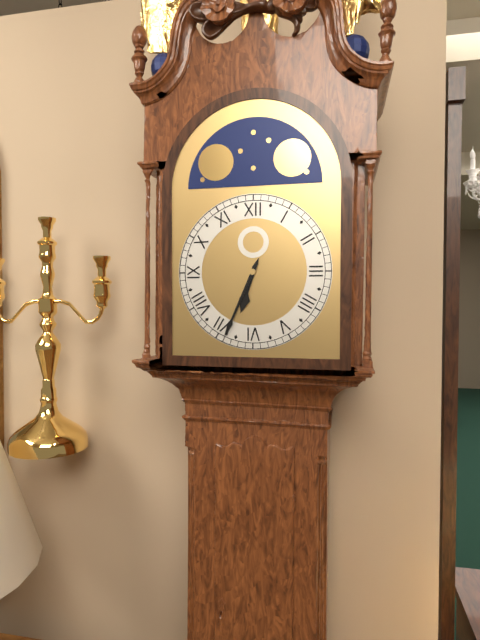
6.34
